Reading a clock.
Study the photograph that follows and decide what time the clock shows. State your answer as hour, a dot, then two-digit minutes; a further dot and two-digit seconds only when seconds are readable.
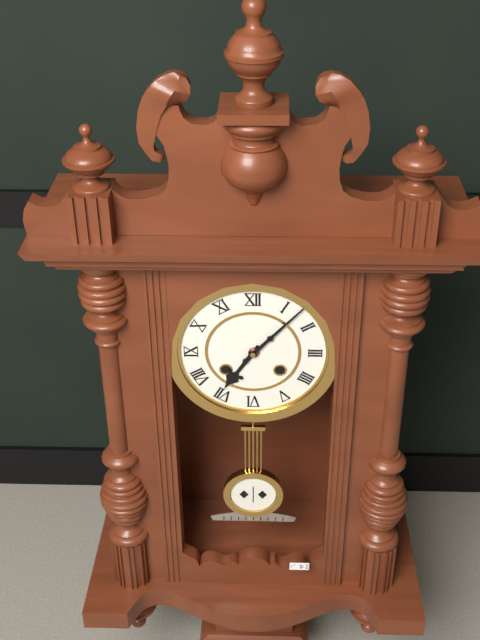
7.07
